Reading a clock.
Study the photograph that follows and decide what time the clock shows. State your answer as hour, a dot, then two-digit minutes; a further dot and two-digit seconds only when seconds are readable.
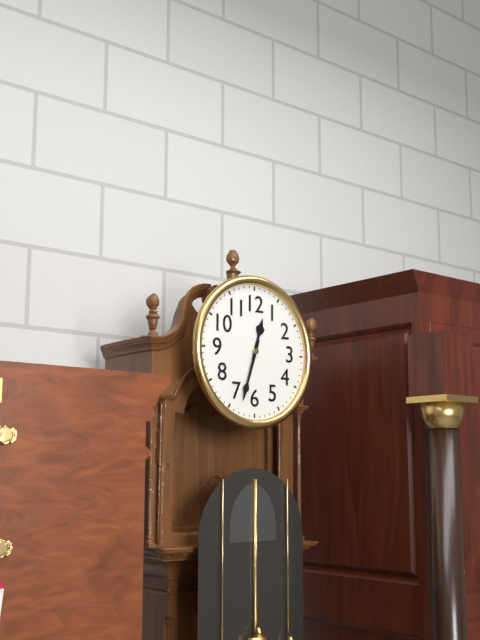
12.33
